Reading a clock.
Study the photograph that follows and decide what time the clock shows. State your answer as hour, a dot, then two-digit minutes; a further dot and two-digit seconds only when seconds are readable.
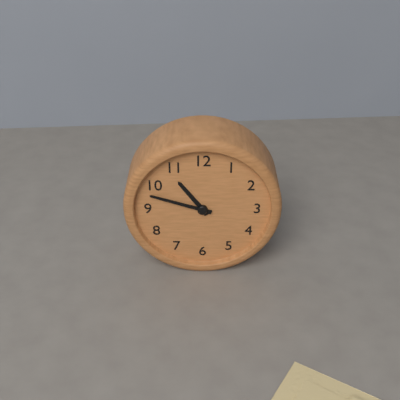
10.48
